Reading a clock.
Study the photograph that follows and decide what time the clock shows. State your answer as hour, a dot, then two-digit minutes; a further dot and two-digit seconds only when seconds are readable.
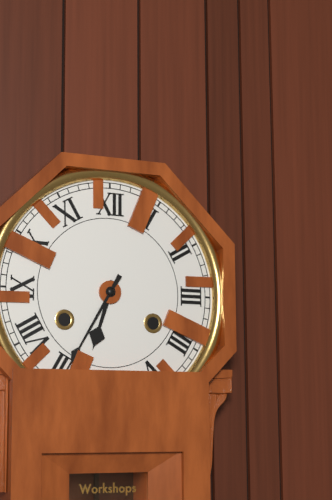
6.35
